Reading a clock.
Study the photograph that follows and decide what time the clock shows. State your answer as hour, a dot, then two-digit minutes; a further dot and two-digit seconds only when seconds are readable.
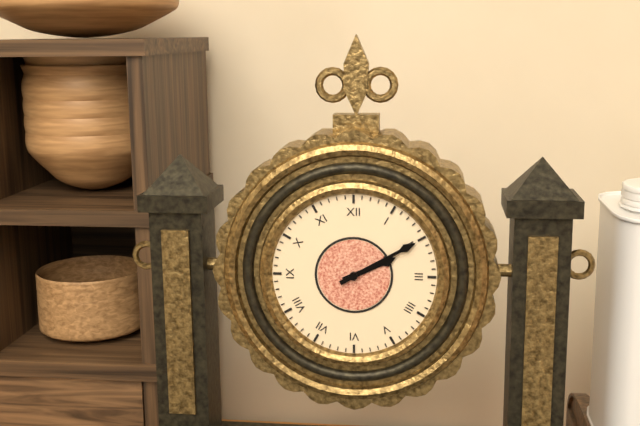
2.10
